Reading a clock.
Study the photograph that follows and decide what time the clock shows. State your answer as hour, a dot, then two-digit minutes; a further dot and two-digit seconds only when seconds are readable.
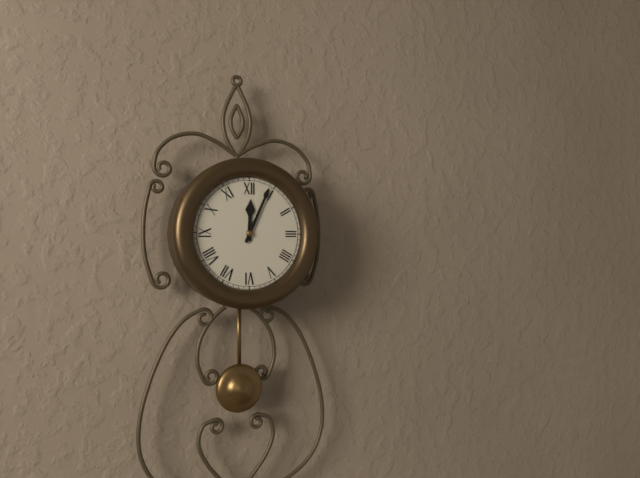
12.04
